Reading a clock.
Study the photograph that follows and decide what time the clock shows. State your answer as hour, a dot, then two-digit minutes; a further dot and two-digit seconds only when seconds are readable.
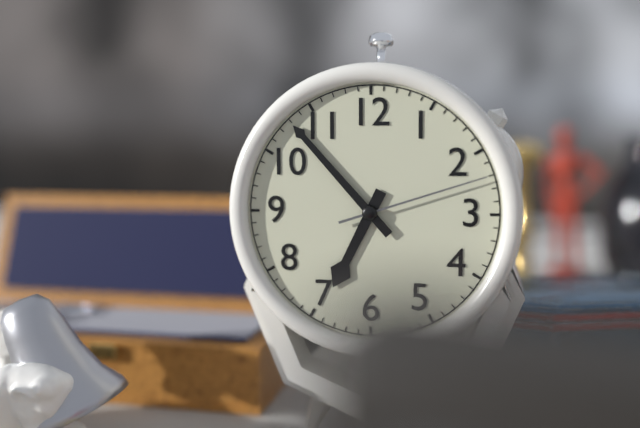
6.53.12
